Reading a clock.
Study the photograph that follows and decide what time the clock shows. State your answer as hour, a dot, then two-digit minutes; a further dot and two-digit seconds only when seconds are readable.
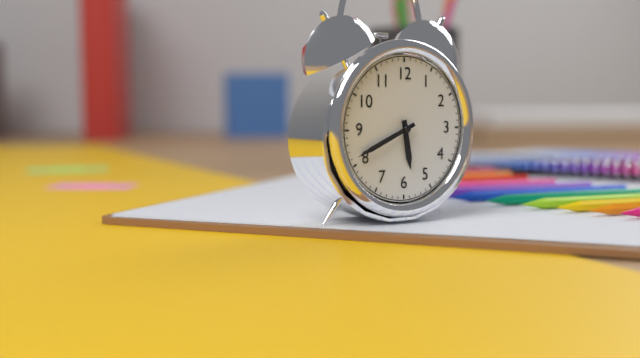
5.41
